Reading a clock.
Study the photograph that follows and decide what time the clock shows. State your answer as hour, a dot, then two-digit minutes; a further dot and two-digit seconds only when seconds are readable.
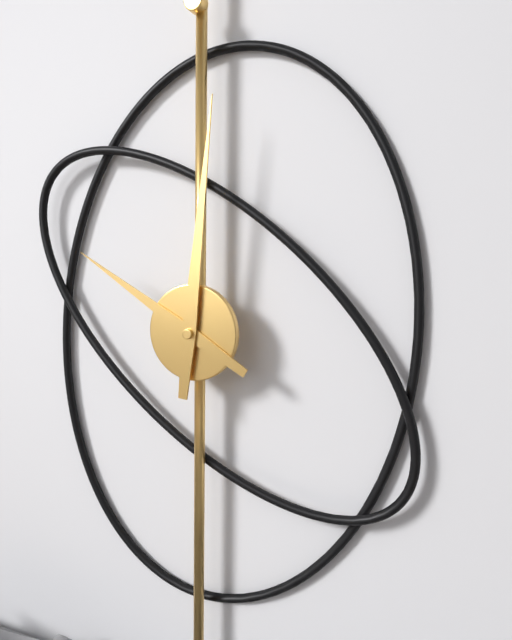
10.01
